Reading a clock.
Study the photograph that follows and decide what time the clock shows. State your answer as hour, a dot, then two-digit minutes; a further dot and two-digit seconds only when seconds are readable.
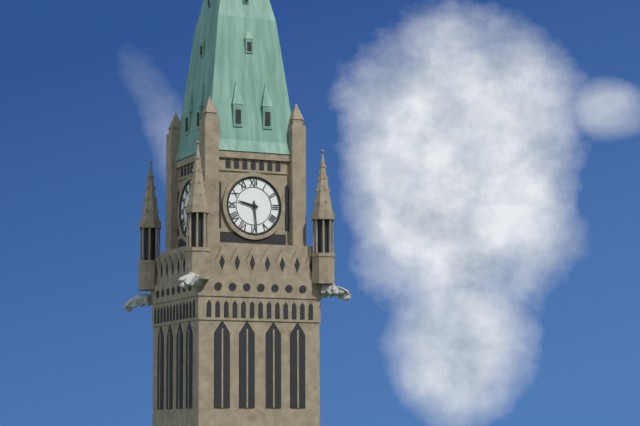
9.29
